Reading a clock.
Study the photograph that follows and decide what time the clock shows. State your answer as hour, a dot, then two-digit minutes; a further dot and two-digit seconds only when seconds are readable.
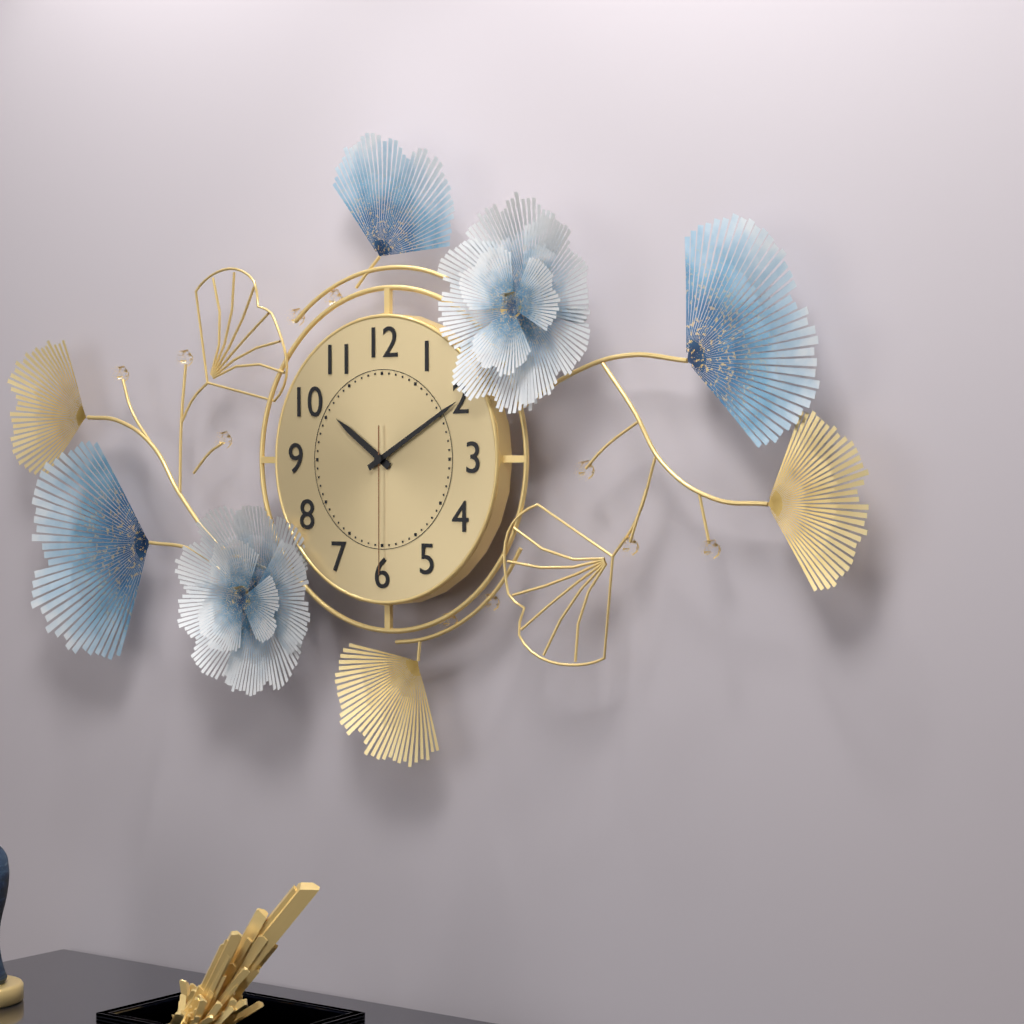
10.10.30
